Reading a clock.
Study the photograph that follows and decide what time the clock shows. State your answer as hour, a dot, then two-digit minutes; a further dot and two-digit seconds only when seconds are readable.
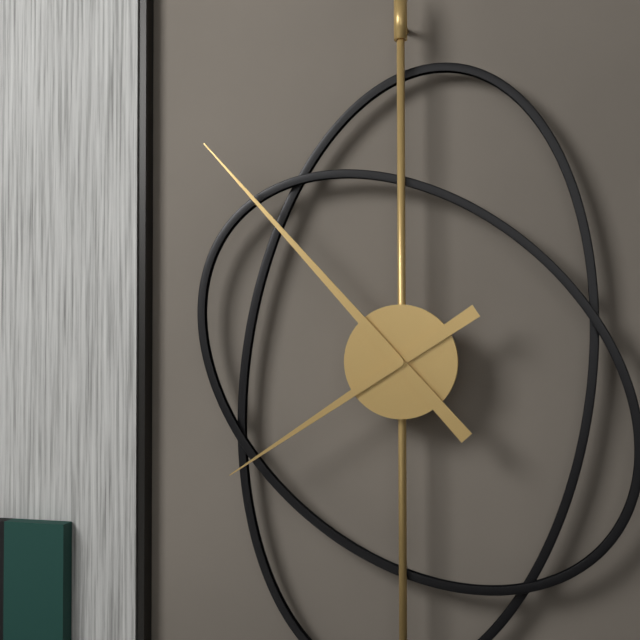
7.53
